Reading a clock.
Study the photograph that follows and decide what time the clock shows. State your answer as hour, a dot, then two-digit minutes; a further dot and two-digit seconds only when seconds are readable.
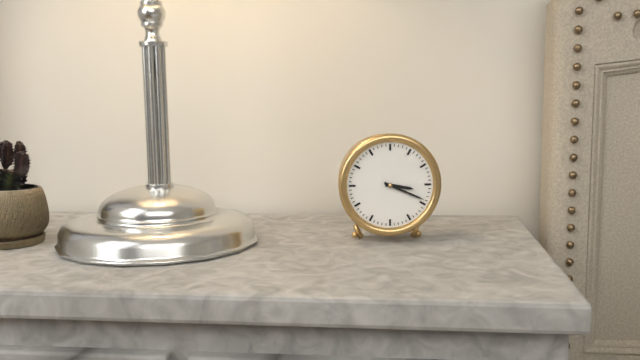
3.19
